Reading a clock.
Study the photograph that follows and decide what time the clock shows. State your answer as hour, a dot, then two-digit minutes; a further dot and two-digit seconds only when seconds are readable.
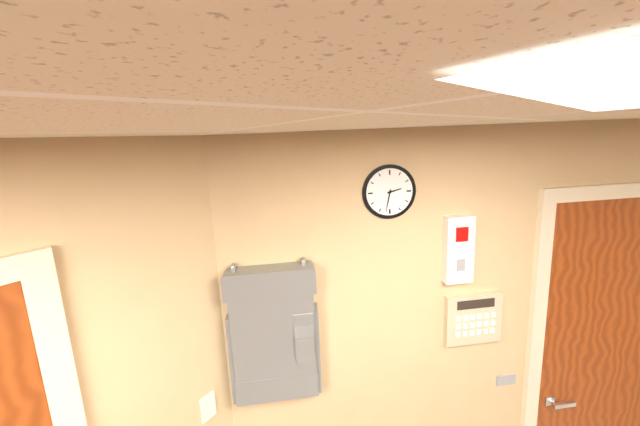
2.32
